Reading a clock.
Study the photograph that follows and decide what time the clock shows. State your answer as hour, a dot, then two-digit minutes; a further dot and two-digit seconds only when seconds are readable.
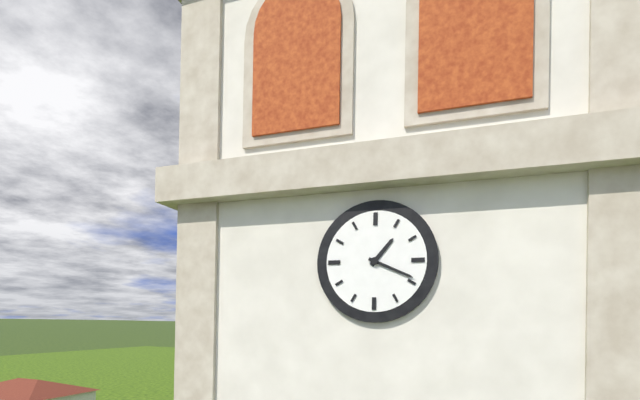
1.19
